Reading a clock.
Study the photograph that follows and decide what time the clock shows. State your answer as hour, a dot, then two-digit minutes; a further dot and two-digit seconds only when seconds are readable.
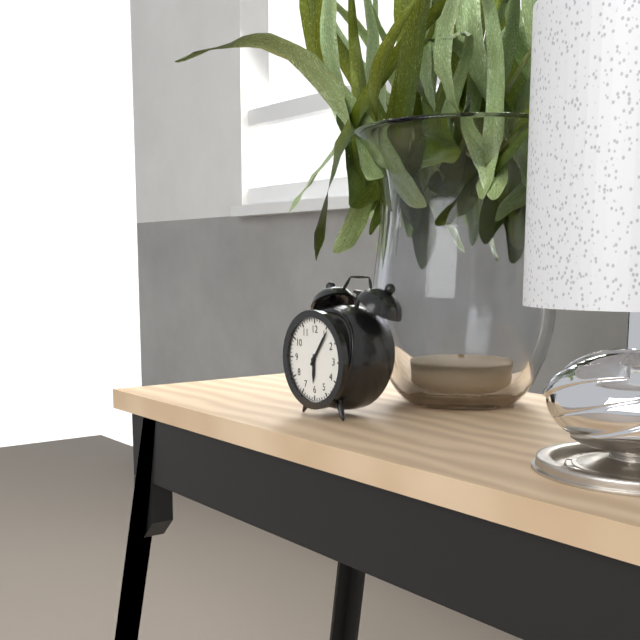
6.06
